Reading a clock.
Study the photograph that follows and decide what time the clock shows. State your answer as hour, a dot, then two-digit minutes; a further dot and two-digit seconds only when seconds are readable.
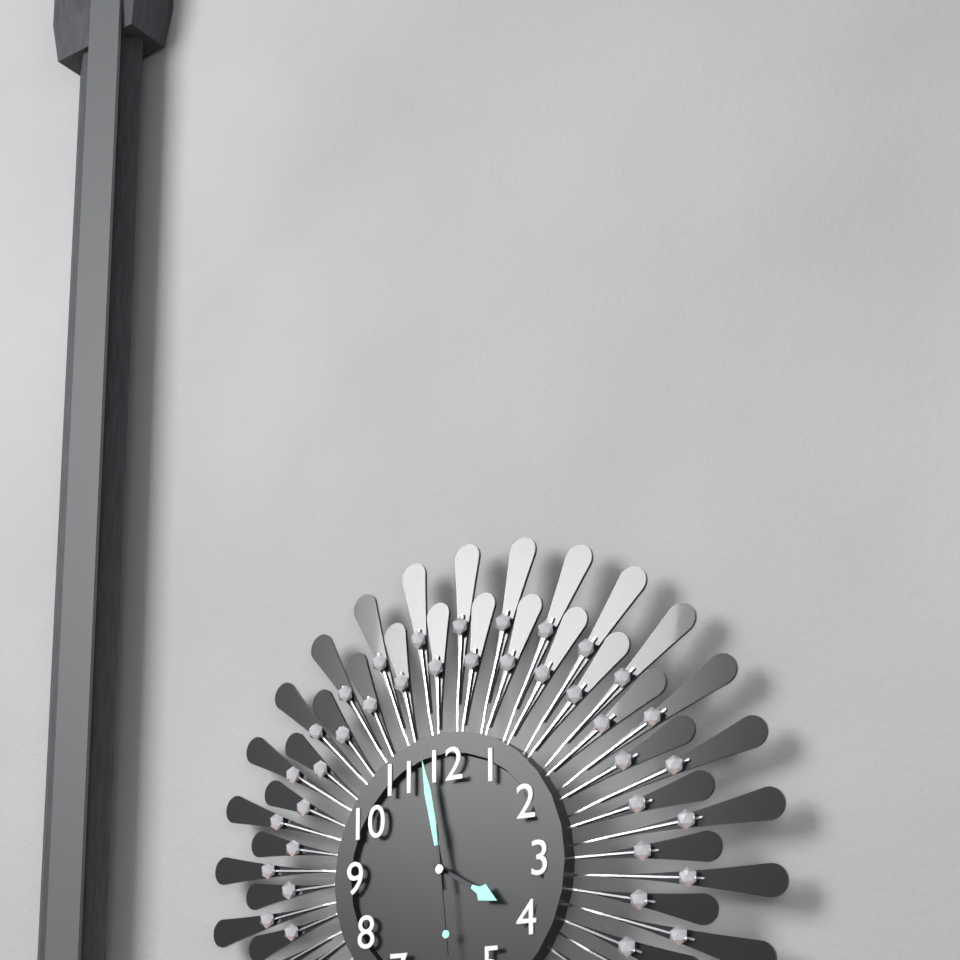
3.58.29
